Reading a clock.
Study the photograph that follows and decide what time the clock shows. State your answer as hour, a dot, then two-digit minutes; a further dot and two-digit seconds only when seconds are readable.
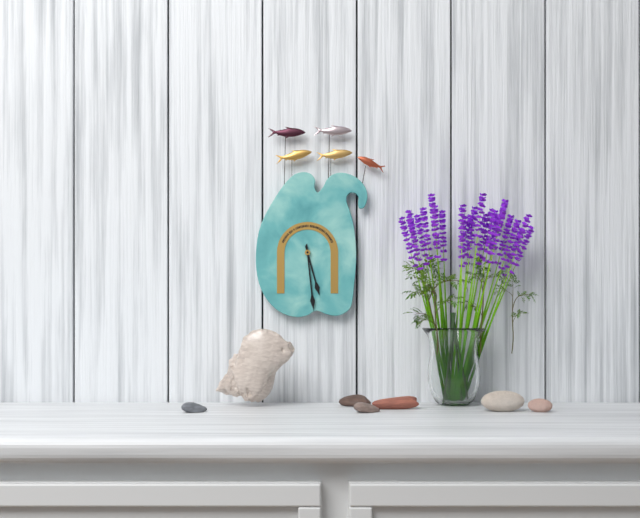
5.29
